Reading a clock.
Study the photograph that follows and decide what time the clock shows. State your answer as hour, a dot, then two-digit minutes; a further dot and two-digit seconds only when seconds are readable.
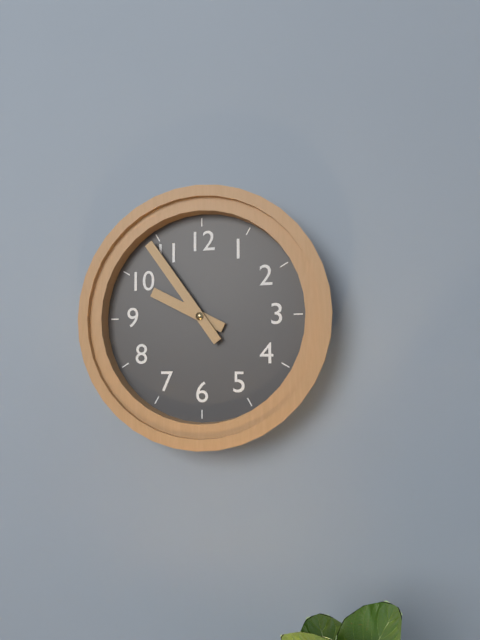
9.54
